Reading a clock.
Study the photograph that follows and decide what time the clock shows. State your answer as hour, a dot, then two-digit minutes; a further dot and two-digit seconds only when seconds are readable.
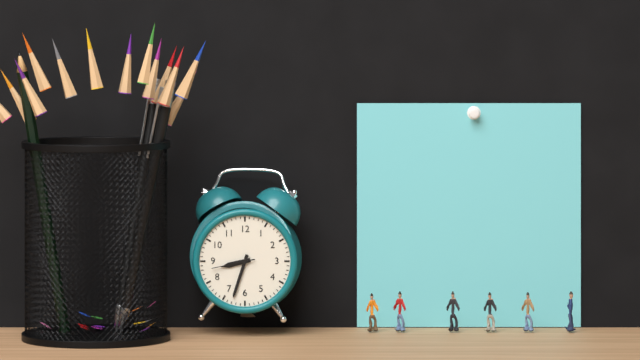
8.33
